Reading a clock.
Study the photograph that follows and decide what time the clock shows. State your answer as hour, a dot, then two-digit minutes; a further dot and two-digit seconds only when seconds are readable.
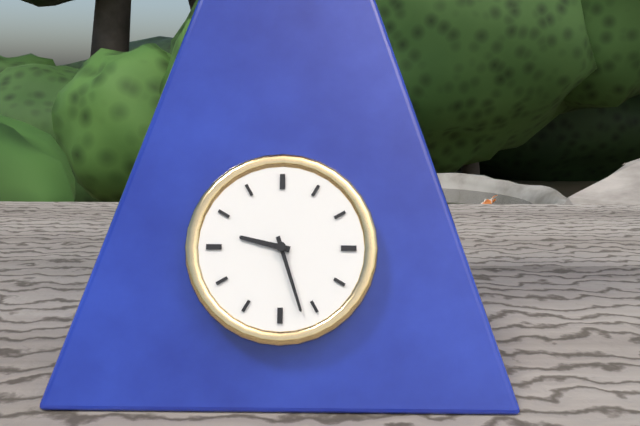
9.27
